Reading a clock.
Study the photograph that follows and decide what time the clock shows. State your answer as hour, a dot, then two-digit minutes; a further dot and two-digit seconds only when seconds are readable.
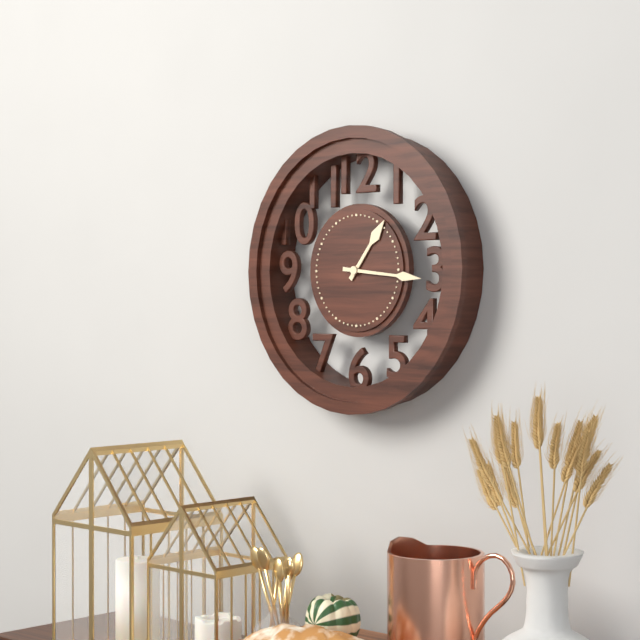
1.16
